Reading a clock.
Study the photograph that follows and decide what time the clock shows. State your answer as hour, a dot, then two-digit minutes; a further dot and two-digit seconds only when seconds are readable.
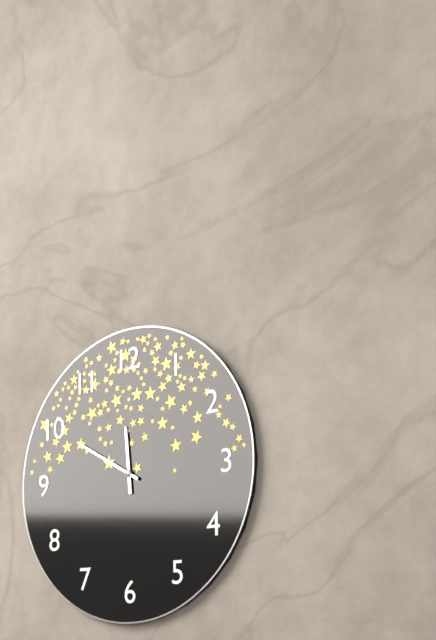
11.50
